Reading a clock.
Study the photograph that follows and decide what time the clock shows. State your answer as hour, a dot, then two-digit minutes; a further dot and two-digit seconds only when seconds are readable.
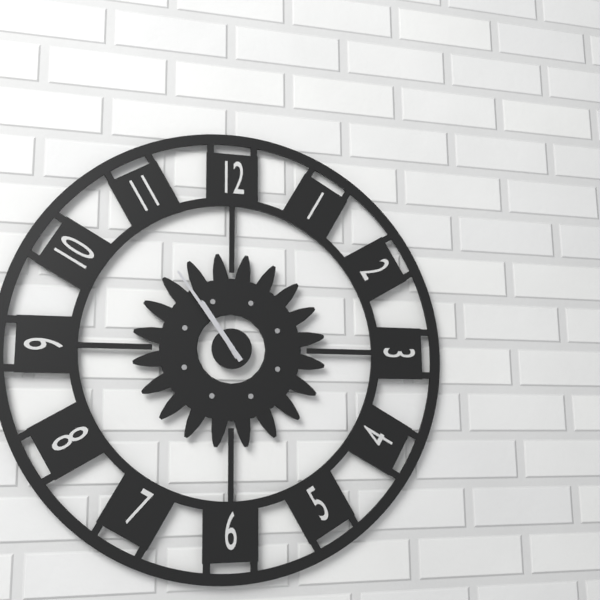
10.54
